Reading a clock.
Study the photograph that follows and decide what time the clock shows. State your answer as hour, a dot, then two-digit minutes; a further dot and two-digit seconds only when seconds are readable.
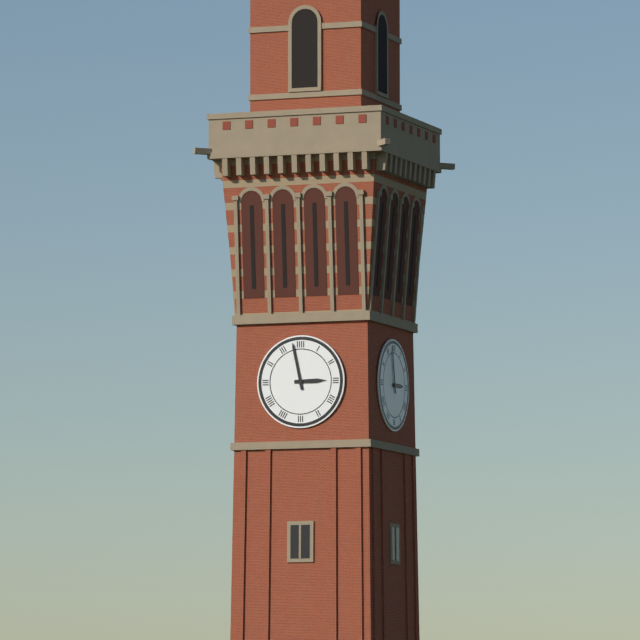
2.58
